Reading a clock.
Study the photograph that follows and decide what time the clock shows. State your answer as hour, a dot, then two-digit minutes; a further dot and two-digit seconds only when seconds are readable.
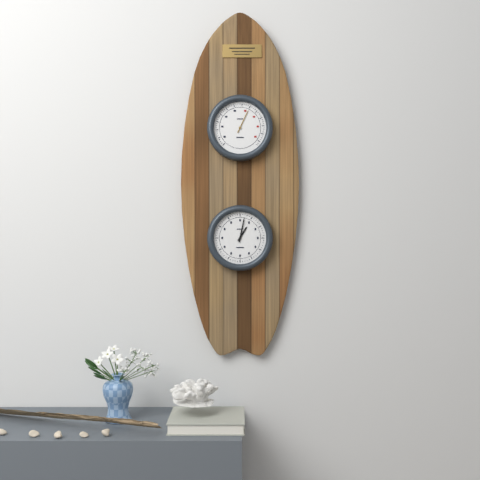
1.02
